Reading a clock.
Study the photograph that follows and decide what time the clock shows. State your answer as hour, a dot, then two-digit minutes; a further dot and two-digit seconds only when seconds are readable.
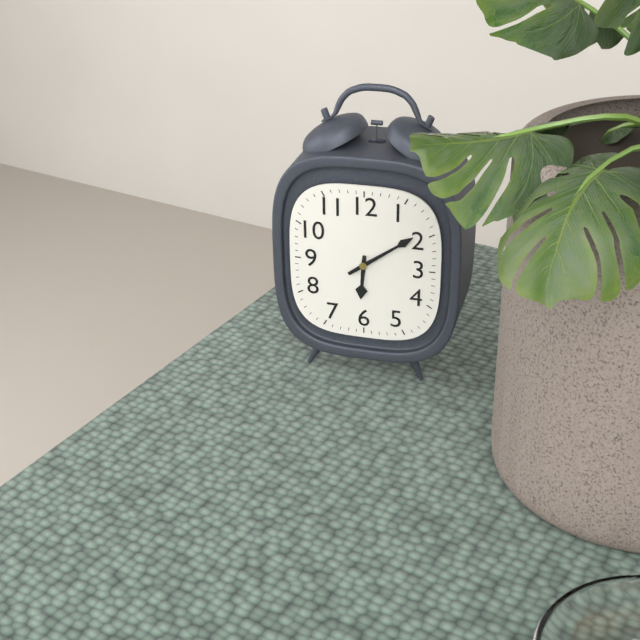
6.09
